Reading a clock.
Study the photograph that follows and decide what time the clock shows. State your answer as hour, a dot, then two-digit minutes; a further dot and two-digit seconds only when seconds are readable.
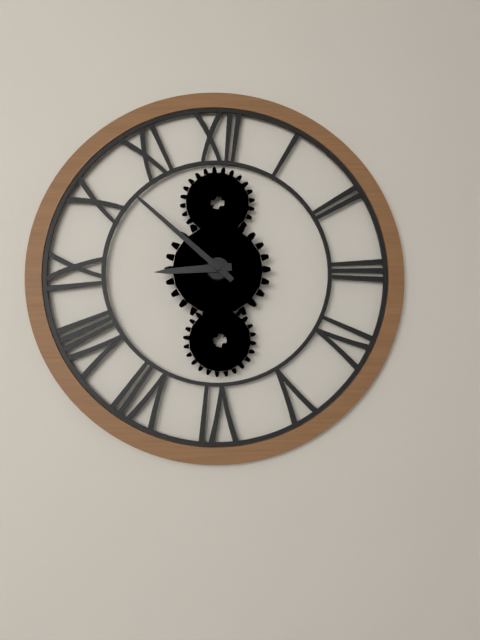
8.52
